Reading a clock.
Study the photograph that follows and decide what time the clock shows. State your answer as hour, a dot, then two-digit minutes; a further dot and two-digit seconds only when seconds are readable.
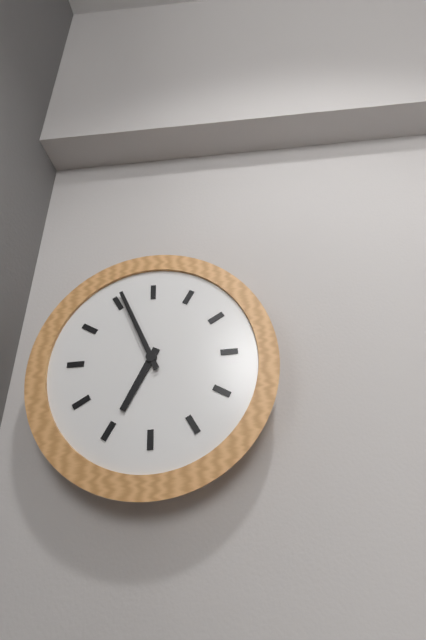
6.56
